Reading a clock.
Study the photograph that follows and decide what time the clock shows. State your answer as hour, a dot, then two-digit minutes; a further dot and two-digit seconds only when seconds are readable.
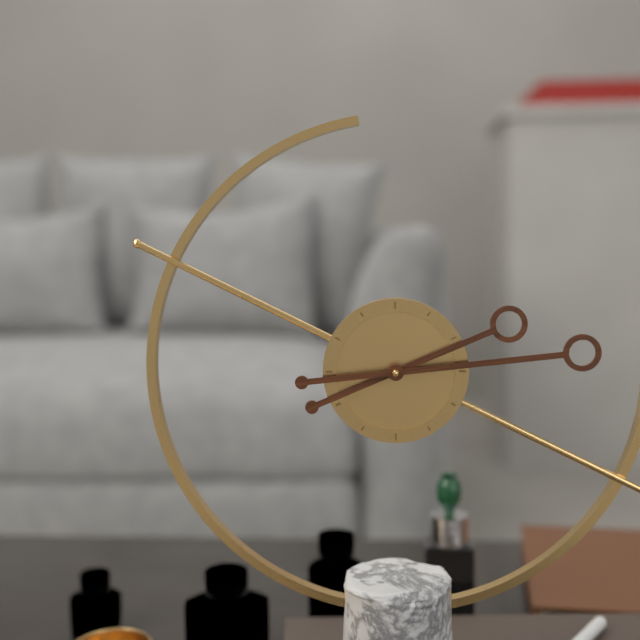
2.14
